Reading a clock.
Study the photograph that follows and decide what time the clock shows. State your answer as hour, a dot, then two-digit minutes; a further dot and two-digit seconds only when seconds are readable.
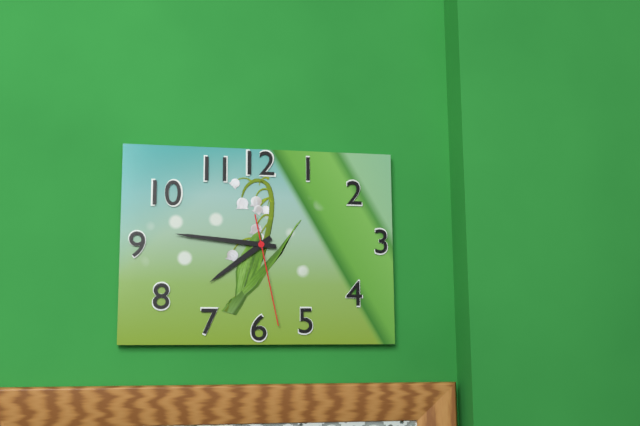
7.46.28
